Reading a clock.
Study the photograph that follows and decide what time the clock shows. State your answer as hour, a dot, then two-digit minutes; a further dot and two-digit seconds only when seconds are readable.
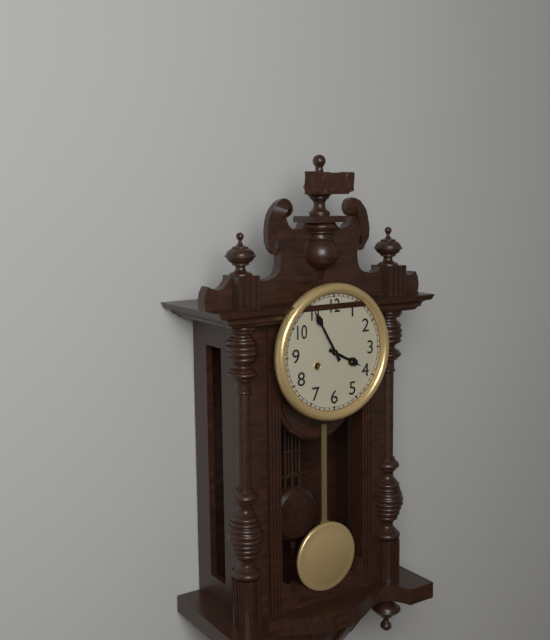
3.55
